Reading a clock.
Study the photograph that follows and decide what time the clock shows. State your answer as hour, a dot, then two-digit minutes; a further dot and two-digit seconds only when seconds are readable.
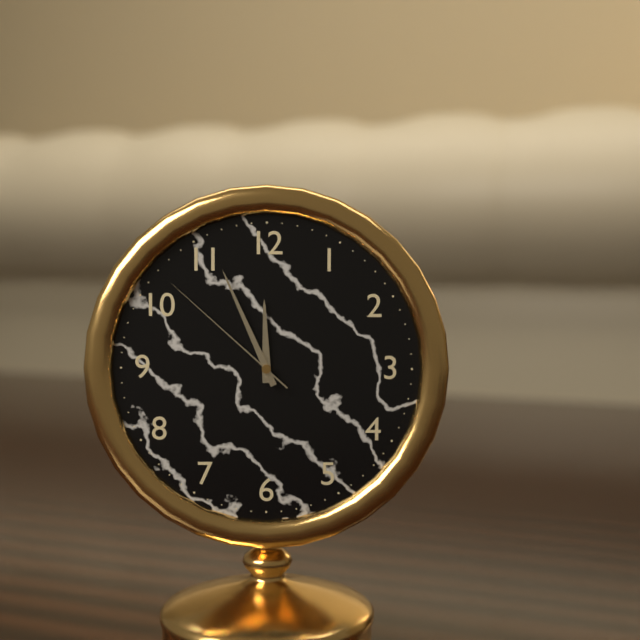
11.56.52
